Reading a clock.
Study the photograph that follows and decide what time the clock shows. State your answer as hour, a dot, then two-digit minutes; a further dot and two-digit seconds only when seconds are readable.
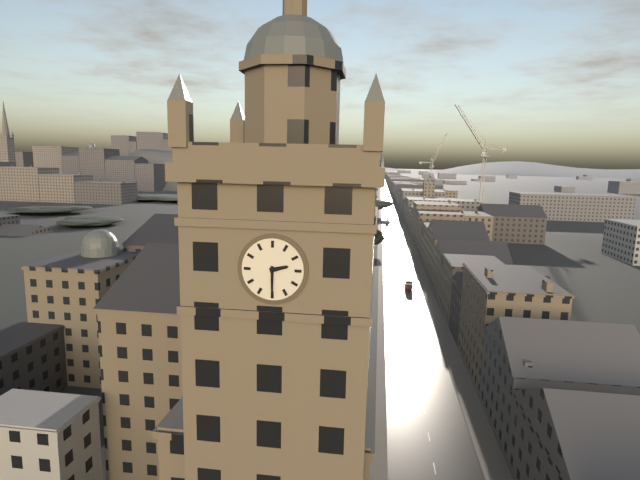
2.30
